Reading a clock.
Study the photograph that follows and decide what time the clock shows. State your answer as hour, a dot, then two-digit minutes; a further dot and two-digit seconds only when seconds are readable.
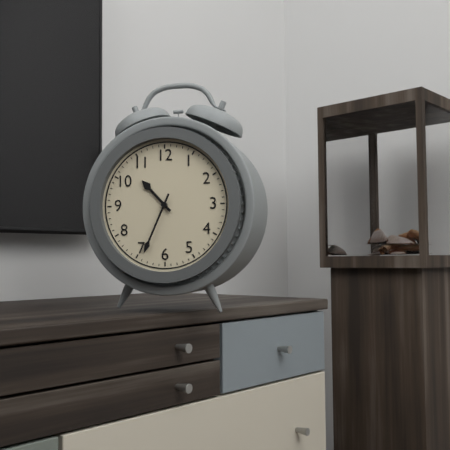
10.34
